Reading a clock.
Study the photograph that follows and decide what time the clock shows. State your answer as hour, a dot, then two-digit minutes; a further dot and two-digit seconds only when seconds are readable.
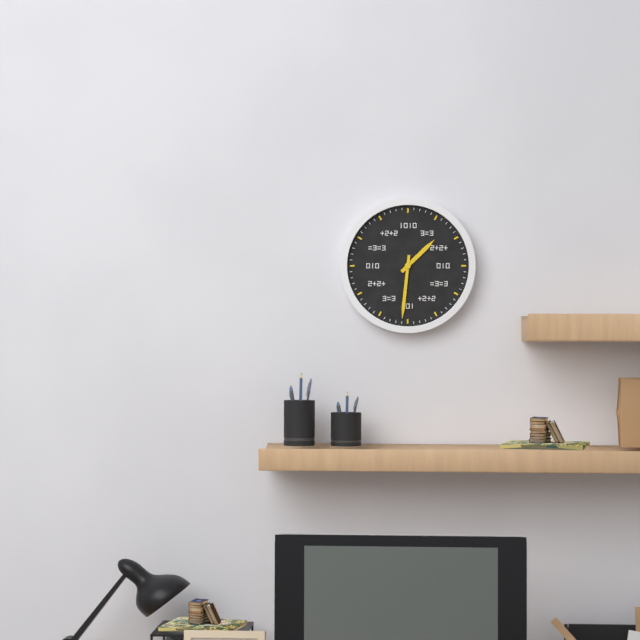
1.31
